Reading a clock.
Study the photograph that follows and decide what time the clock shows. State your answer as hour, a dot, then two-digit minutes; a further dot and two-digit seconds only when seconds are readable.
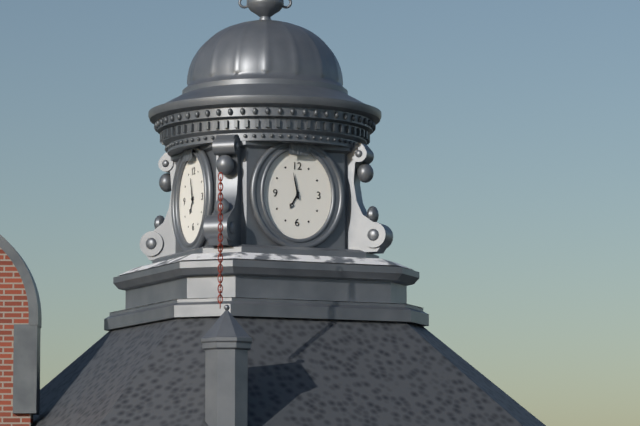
6.58
